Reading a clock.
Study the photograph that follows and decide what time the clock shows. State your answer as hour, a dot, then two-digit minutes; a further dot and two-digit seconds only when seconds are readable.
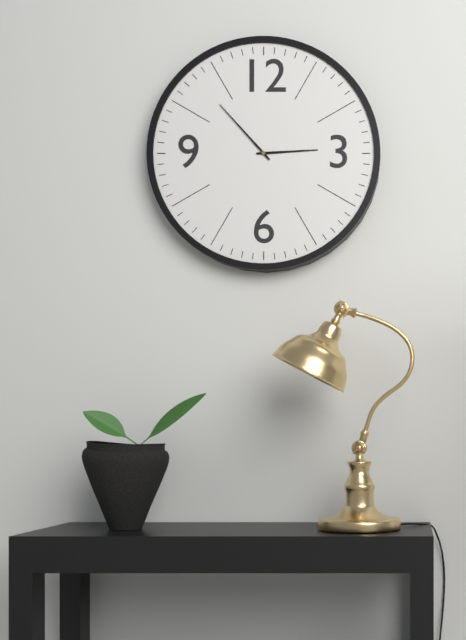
2.53
